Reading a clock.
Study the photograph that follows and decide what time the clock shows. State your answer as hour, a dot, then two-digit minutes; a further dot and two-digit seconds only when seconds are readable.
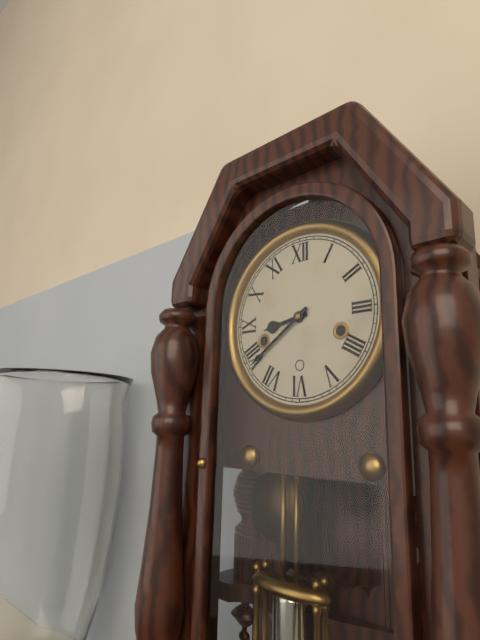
8.39
